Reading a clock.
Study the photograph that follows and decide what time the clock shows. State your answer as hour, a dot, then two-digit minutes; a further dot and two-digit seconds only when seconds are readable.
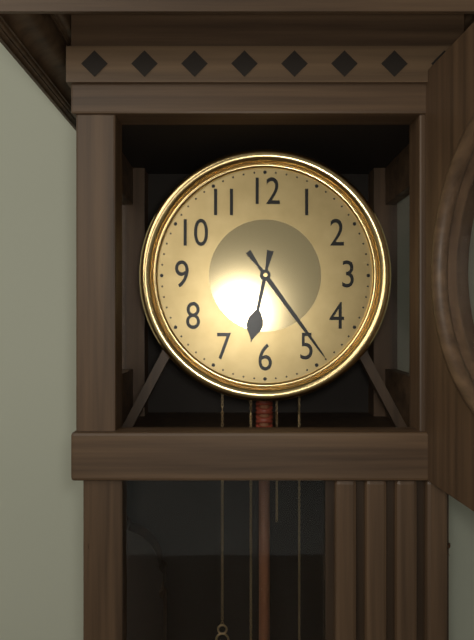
6.24
